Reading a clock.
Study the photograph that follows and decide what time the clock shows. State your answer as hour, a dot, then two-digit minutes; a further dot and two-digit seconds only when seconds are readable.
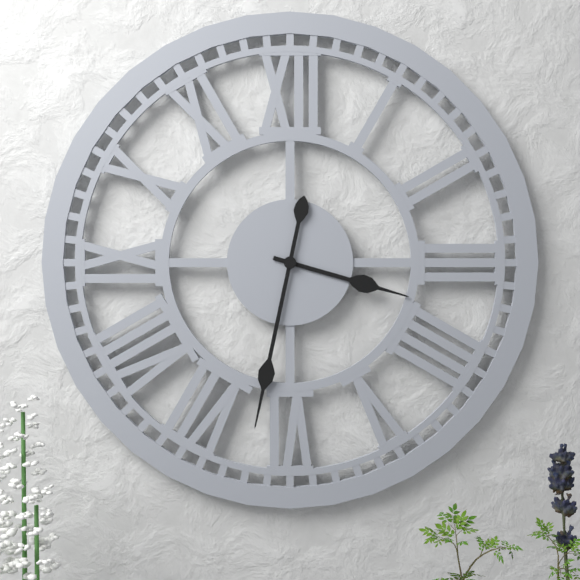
3.32
